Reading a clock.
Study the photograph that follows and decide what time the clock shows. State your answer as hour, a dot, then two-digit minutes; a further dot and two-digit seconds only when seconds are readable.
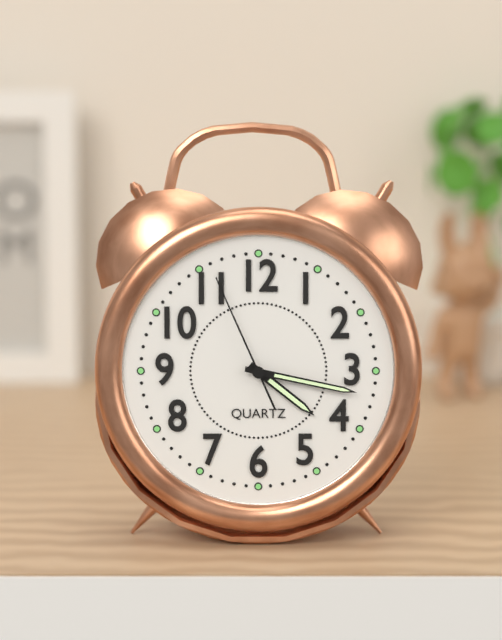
4.17.56
